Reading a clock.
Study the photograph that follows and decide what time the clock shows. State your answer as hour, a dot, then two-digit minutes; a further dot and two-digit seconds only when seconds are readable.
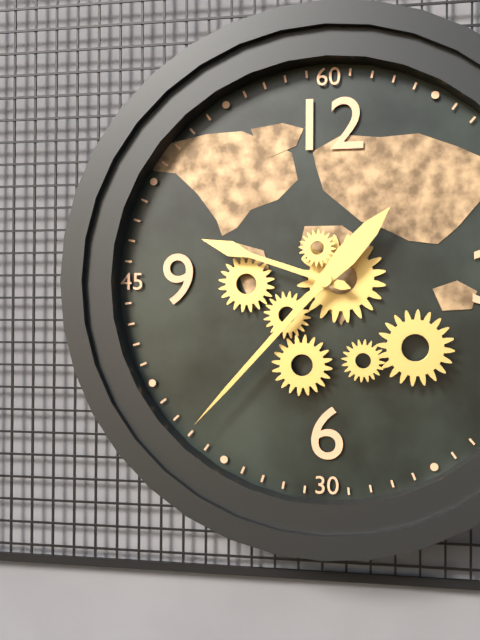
9.37
